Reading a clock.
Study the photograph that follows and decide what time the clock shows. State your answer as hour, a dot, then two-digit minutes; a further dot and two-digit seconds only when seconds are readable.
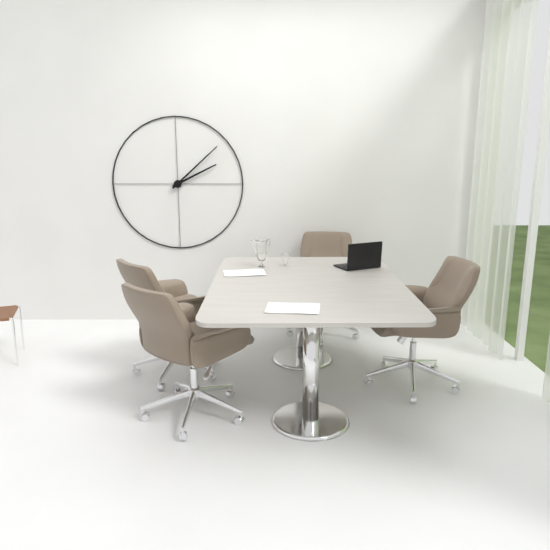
2.08
